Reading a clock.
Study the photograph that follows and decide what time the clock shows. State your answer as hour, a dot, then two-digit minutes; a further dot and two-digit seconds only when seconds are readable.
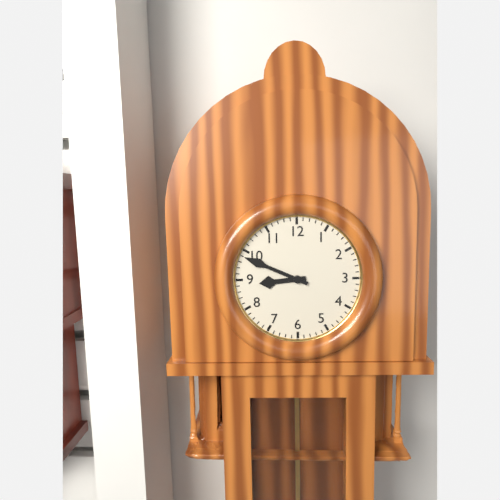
8.49
